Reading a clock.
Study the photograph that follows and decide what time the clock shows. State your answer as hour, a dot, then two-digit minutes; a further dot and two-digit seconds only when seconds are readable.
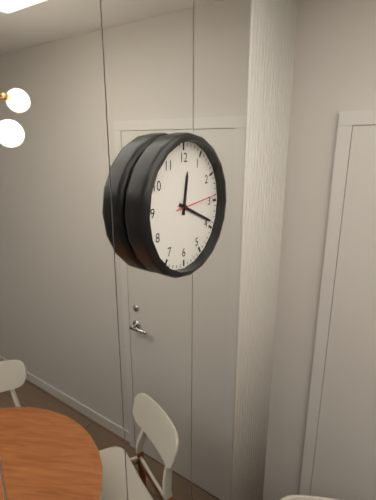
12.19
